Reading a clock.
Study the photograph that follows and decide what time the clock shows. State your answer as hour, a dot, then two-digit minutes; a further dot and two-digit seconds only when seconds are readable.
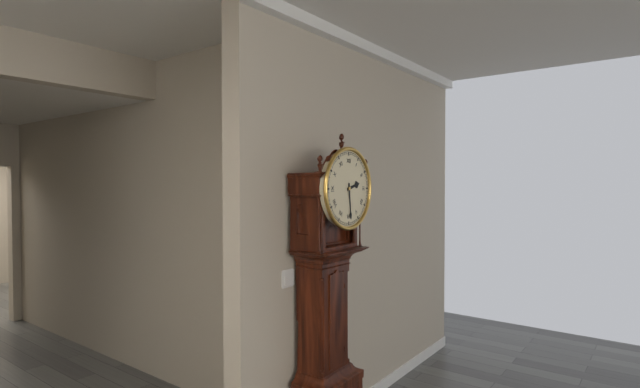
2.29
